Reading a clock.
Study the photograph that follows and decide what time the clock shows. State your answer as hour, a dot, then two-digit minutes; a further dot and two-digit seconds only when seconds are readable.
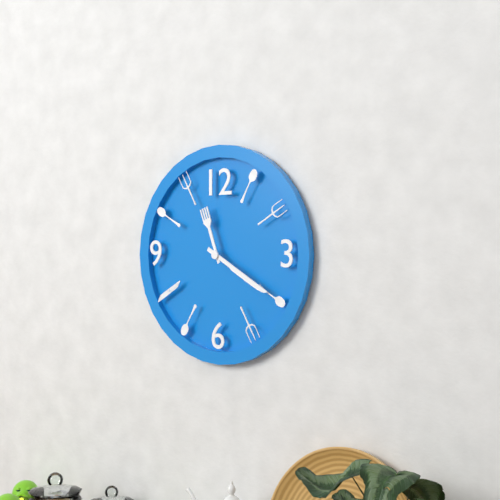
11.20
